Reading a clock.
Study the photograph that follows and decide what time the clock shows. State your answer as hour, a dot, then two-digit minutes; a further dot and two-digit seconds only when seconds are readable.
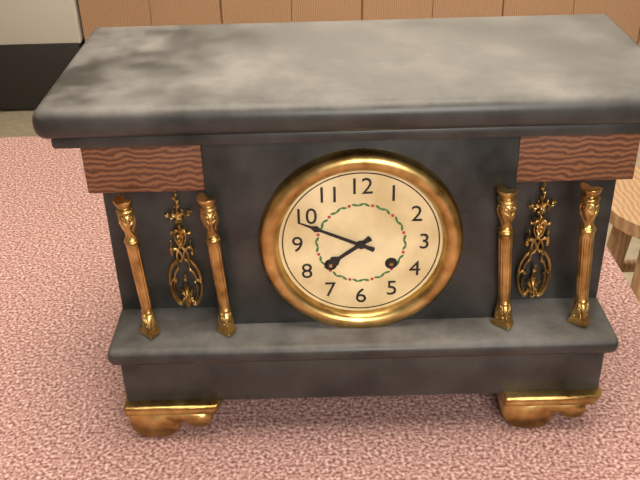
7.49
